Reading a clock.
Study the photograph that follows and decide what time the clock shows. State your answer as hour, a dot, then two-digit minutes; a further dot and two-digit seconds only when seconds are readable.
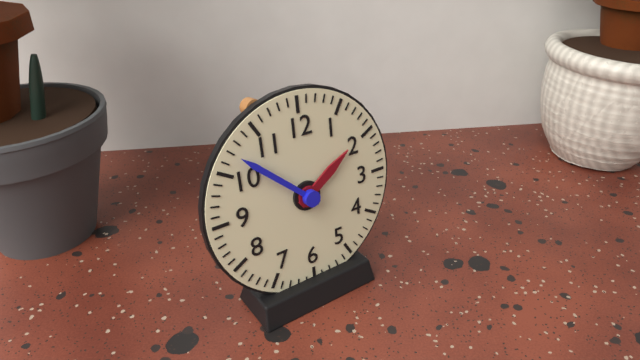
1.52
